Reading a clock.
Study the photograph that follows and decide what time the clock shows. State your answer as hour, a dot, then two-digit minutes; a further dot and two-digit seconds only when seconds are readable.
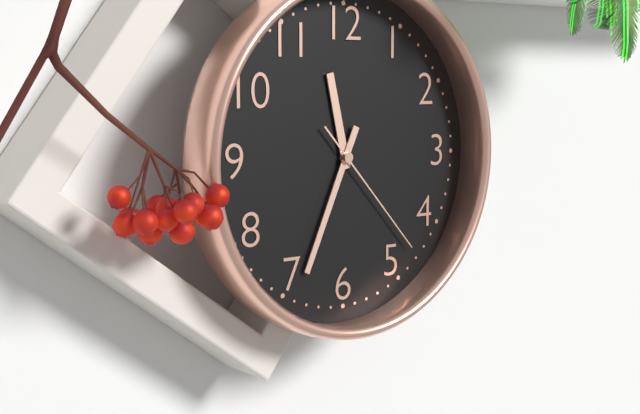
11.34.23
